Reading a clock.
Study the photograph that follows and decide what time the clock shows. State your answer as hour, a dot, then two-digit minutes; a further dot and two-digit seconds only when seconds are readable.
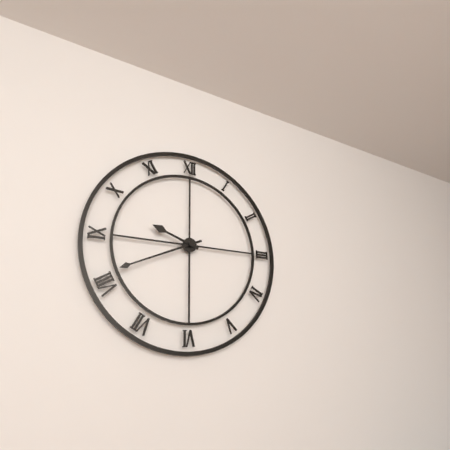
9.41
